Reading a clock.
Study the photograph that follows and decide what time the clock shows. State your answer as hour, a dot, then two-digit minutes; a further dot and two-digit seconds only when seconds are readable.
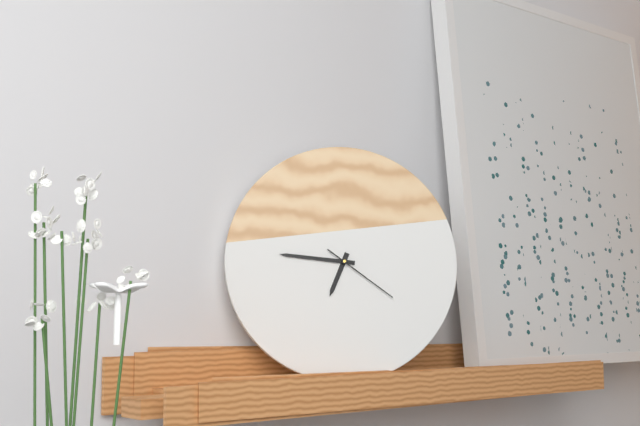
6.46.21
